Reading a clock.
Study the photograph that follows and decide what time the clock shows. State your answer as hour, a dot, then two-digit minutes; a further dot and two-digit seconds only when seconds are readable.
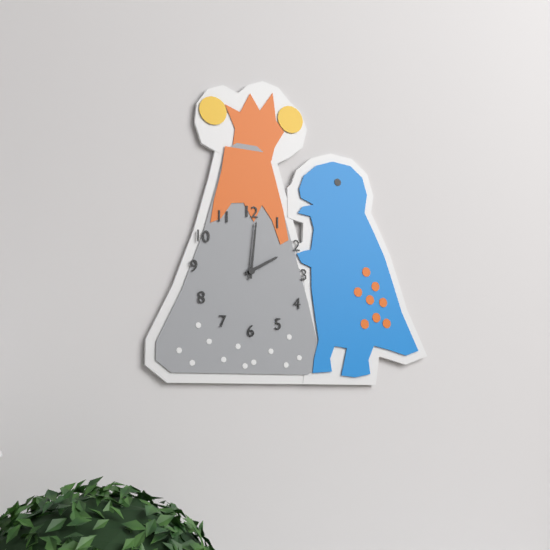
2.01
